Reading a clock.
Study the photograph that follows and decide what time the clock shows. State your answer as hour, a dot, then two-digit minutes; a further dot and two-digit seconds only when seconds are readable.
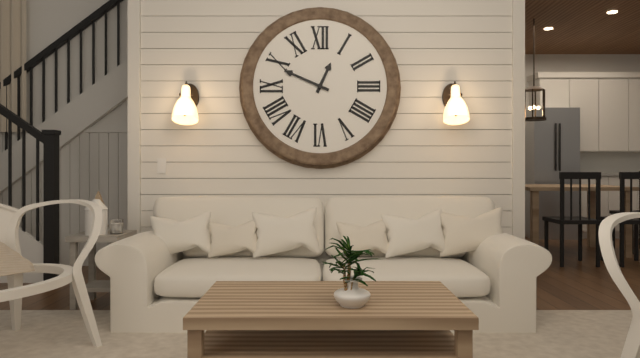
12.49
